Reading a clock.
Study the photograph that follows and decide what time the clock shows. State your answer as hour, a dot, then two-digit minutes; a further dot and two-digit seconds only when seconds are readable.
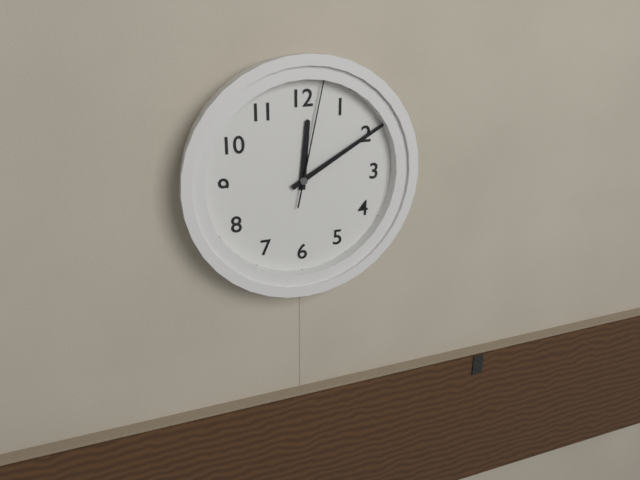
12.10.02
